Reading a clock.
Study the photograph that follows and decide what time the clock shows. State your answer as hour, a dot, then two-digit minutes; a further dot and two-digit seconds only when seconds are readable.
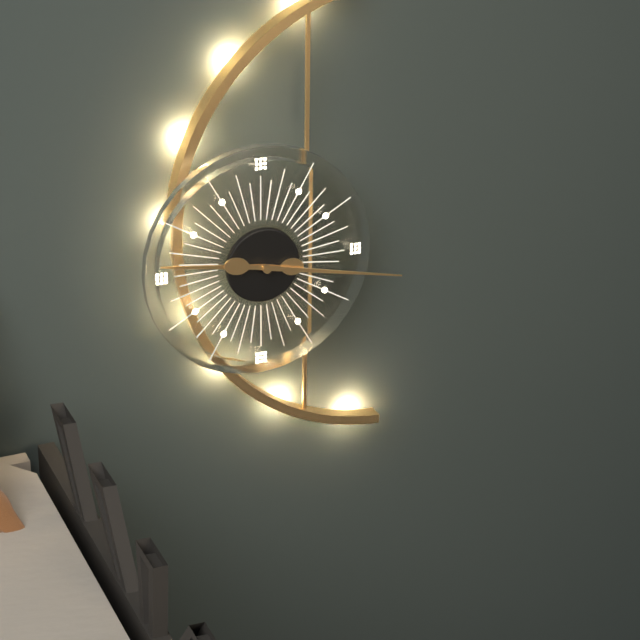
9.17
